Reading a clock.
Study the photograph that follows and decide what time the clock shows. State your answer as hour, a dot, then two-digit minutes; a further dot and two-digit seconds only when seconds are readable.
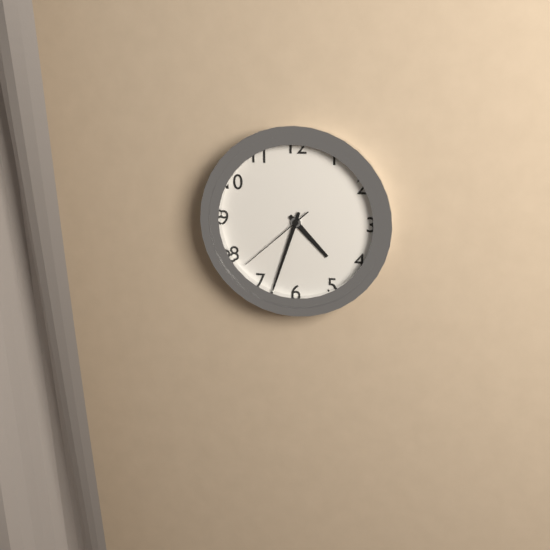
4.33.38
